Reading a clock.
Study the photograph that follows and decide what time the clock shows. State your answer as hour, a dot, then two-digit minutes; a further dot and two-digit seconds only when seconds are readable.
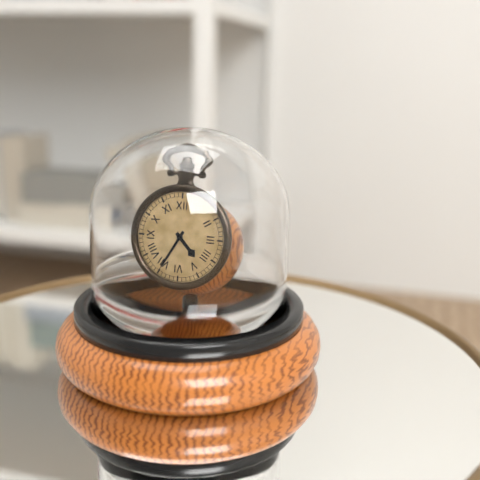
4.35
